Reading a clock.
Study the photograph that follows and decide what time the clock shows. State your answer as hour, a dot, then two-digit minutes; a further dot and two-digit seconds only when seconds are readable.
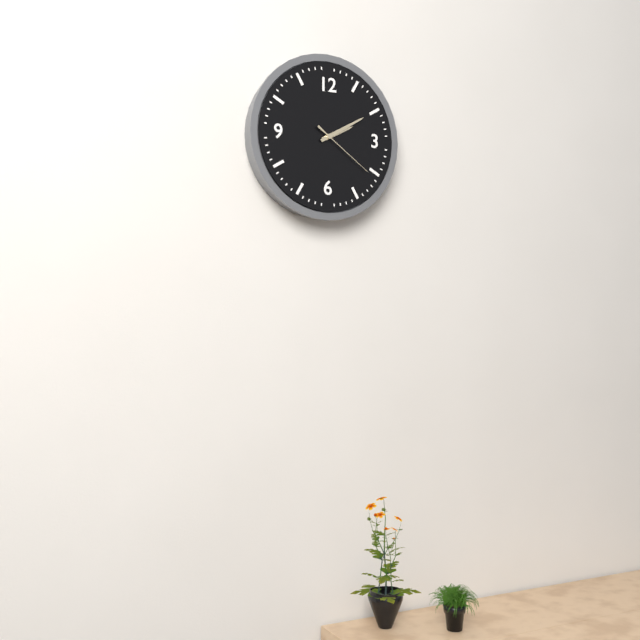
2.10.21
